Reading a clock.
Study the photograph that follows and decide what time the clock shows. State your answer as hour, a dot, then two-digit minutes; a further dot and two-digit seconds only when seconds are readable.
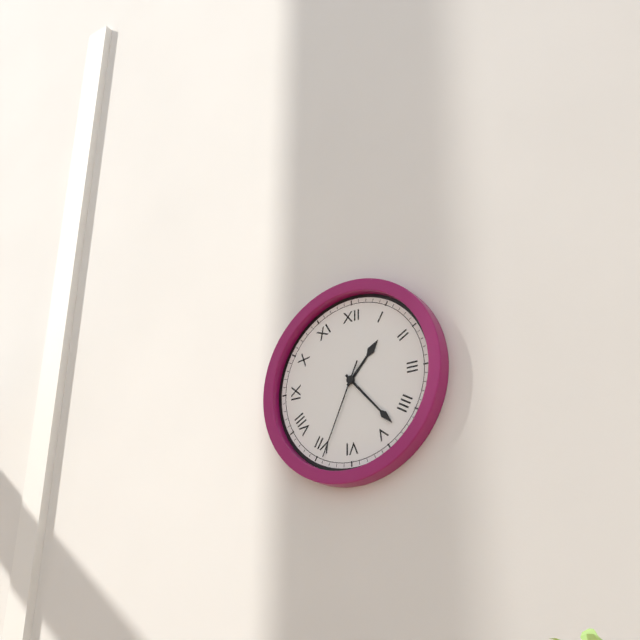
1.23.34
